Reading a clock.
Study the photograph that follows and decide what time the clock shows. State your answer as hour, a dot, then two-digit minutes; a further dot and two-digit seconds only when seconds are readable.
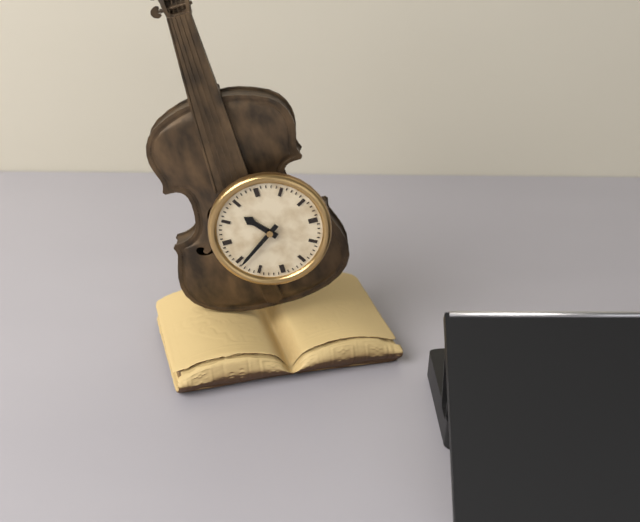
10.39
